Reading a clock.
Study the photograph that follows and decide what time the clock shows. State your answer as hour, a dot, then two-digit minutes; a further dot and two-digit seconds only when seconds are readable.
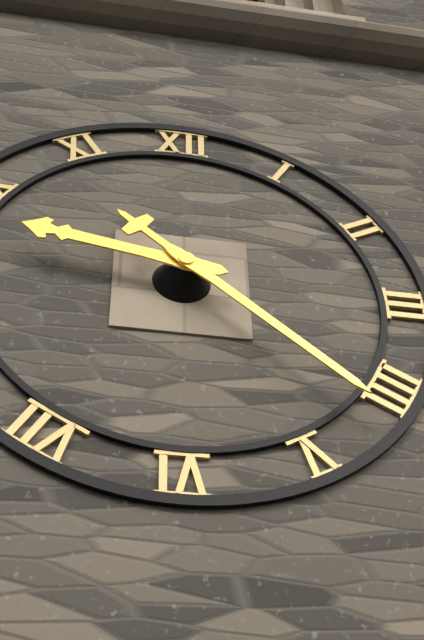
9.22
